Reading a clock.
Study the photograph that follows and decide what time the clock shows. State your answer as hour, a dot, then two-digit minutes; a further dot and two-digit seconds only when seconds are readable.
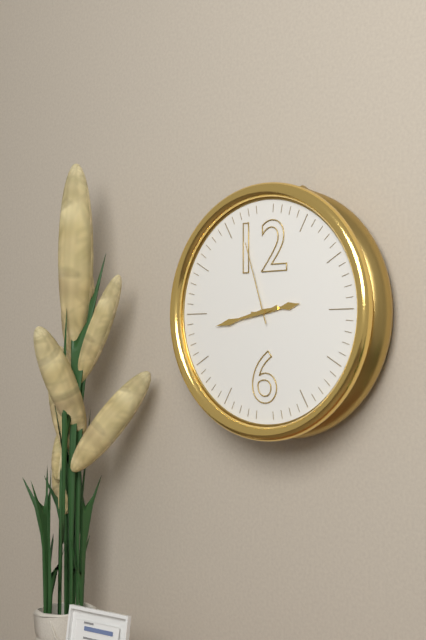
2.43.57
